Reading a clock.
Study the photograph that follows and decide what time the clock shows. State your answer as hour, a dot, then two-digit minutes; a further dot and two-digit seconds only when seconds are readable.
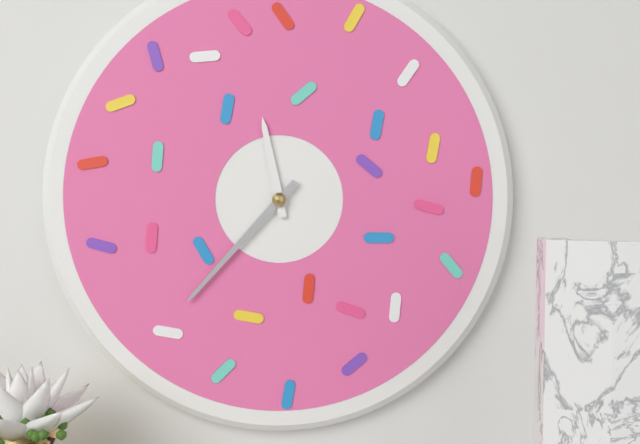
11.37
